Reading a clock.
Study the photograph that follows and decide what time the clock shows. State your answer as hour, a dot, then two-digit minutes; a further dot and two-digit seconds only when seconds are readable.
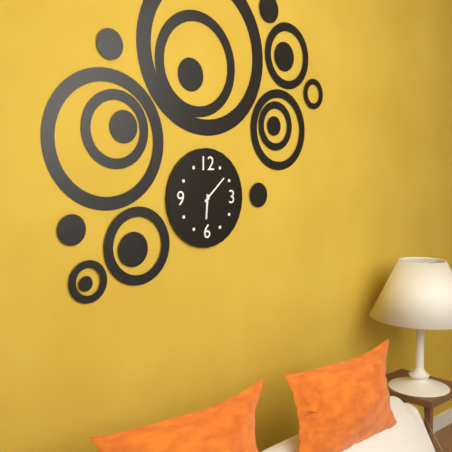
6.08
